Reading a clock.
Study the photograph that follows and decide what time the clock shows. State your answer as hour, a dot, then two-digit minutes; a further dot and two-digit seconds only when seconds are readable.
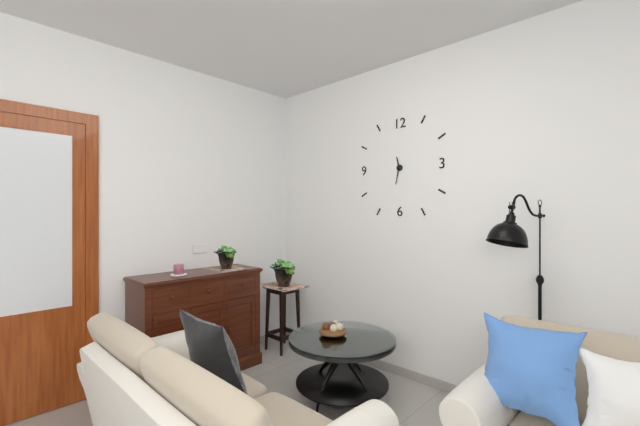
11.32
